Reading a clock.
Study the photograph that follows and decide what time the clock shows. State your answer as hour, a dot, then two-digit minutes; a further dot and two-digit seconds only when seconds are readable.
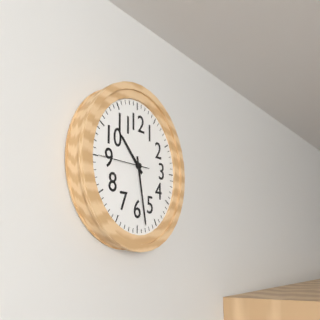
10.28.45
